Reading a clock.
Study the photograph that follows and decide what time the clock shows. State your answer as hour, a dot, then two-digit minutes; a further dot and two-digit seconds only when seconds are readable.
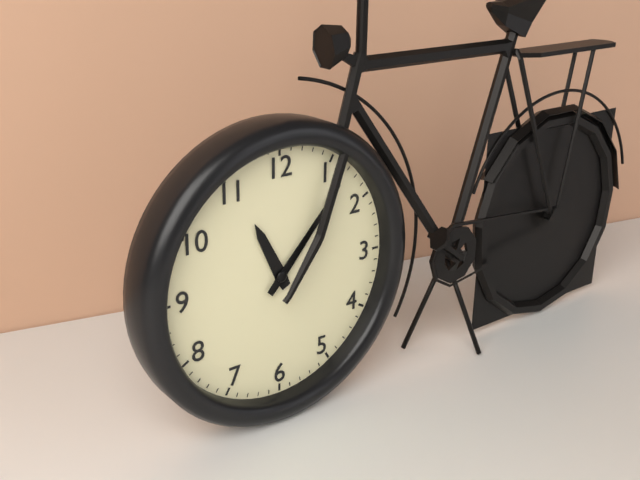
11.07
